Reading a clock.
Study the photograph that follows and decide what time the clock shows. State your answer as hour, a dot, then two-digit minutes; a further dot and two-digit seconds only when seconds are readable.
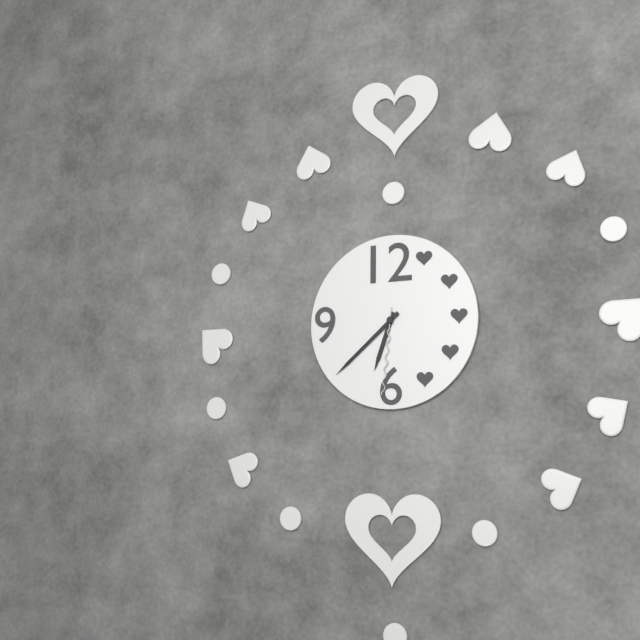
6.38.31
